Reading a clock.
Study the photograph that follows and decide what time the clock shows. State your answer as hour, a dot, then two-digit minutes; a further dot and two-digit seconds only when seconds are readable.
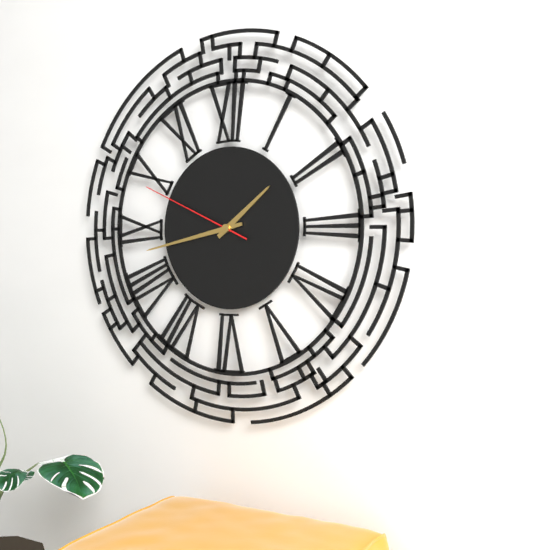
1.43.49
